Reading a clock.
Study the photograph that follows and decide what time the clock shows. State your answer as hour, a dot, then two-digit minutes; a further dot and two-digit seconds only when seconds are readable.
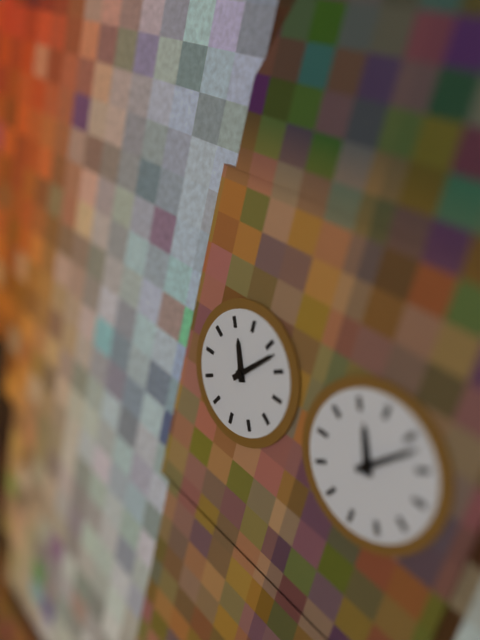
11.07
